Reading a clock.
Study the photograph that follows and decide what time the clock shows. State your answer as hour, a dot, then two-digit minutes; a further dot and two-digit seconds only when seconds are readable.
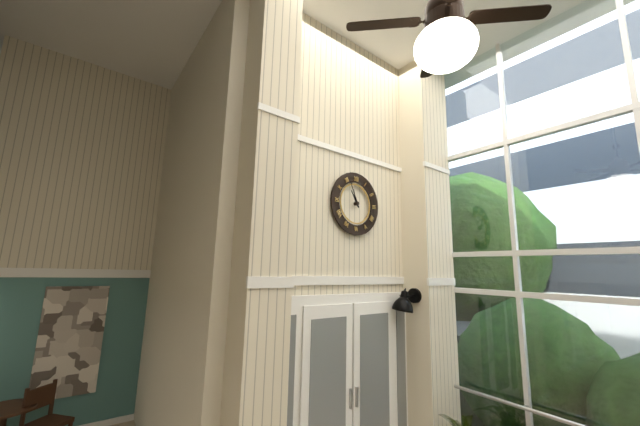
10.56
